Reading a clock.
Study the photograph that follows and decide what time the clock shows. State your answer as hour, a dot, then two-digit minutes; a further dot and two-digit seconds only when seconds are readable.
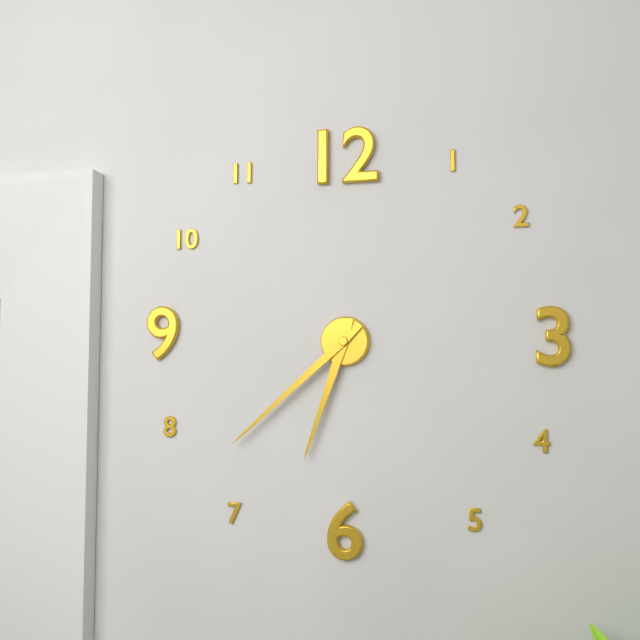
6.38
